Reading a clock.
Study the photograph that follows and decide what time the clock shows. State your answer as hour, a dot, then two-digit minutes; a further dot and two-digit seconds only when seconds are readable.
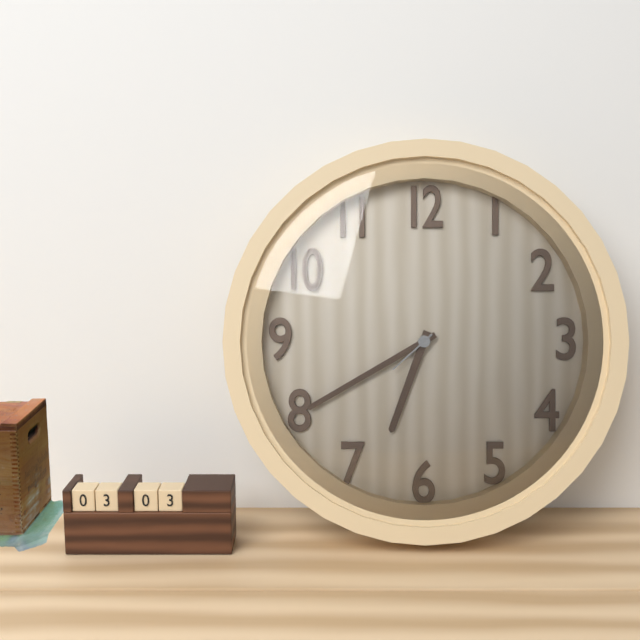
6.40.38
